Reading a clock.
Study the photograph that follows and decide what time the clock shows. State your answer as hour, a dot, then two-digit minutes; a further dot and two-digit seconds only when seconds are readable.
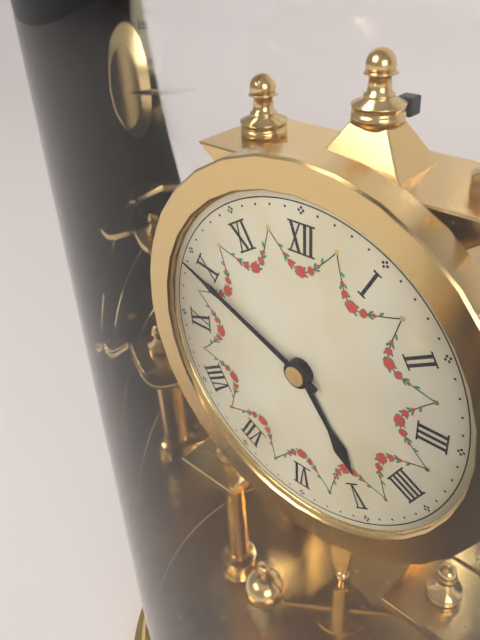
4.49
